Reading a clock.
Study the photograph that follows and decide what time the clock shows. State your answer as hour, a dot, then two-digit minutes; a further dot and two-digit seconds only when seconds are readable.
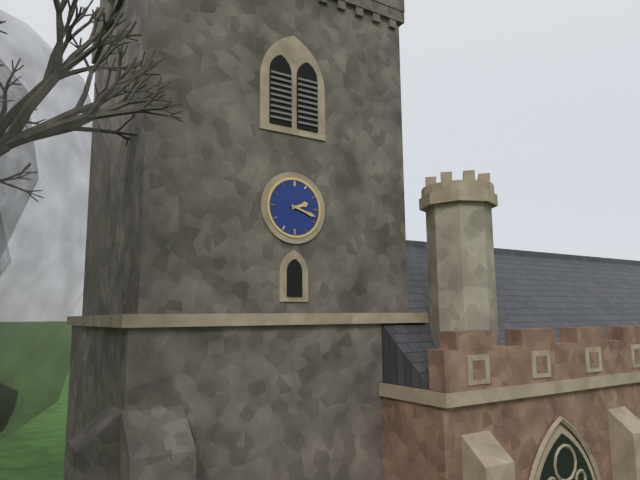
2.18
